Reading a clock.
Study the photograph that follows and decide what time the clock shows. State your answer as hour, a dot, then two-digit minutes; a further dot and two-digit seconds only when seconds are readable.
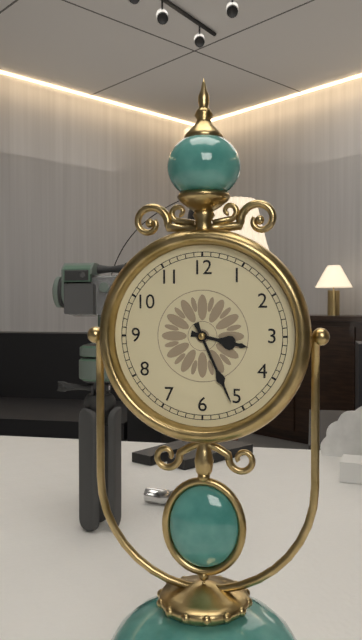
3.26
